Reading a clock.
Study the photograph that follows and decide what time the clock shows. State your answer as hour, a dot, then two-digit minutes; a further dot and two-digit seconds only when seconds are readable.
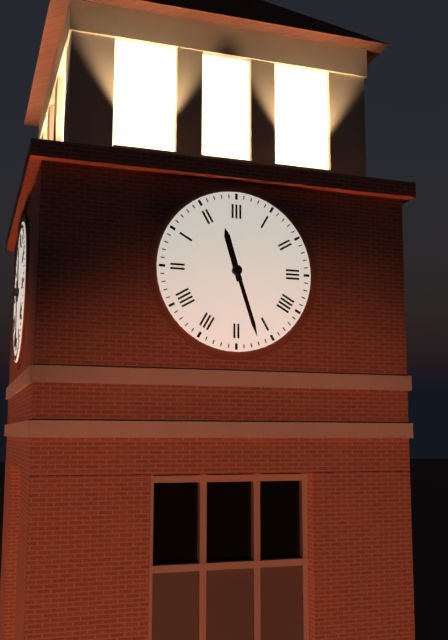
11.27
